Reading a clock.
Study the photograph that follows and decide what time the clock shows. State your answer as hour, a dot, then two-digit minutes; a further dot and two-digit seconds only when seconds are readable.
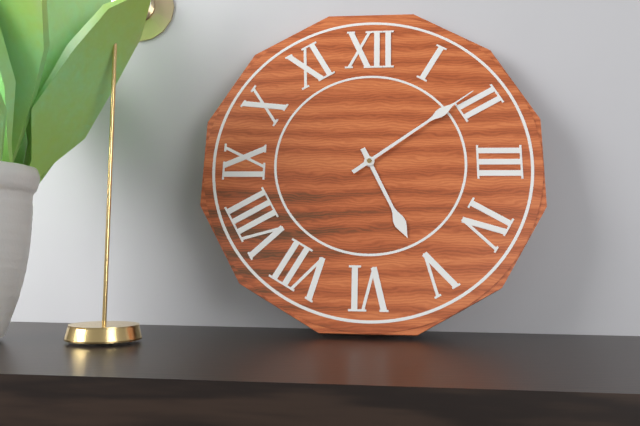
5.09
